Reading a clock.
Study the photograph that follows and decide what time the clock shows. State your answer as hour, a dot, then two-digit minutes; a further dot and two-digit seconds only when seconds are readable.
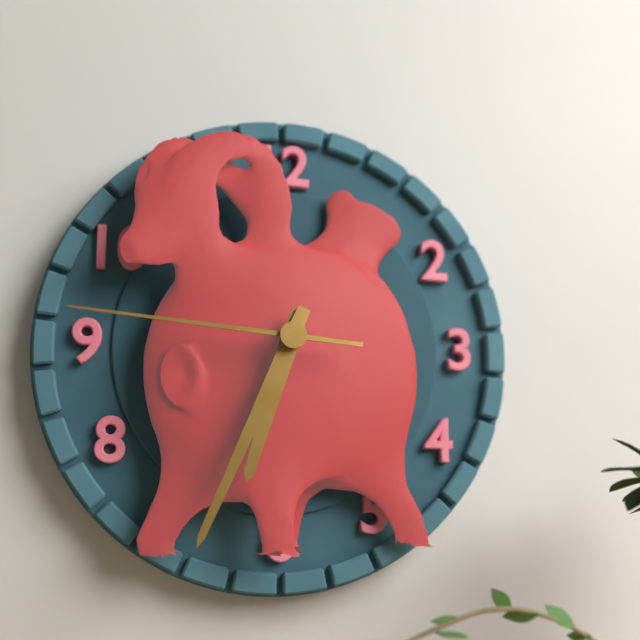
6.34.46
